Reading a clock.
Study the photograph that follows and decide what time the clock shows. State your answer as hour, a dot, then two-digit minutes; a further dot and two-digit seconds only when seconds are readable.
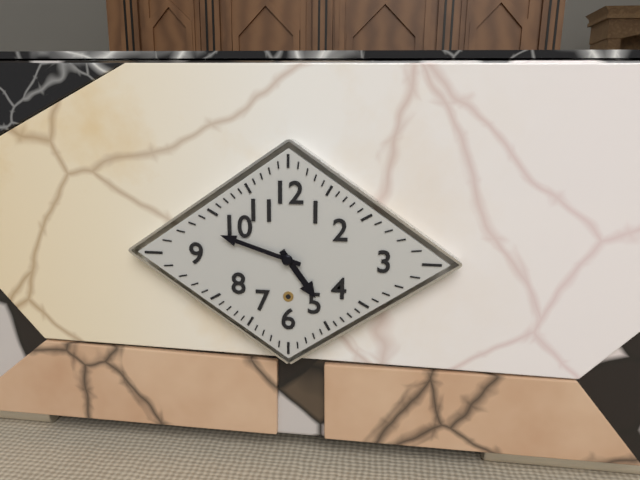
4.48
